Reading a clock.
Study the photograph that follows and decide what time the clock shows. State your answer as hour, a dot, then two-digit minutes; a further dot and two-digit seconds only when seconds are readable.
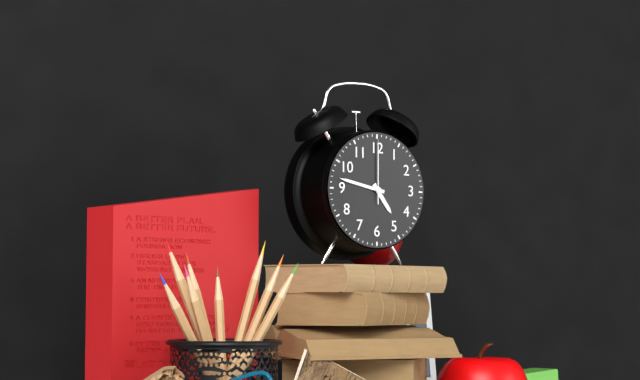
4.47.00
